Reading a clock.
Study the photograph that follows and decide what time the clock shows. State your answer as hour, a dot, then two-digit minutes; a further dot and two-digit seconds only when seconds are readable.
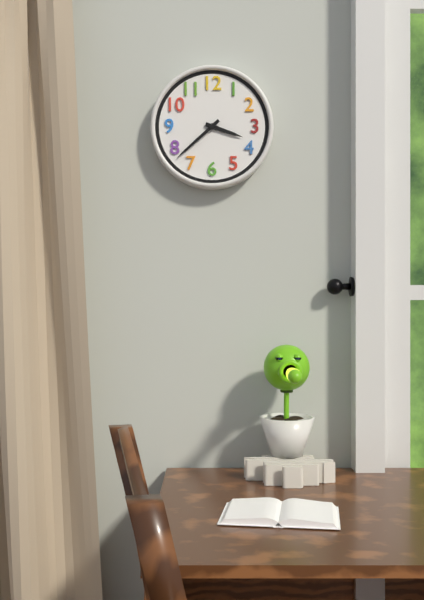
3.38
